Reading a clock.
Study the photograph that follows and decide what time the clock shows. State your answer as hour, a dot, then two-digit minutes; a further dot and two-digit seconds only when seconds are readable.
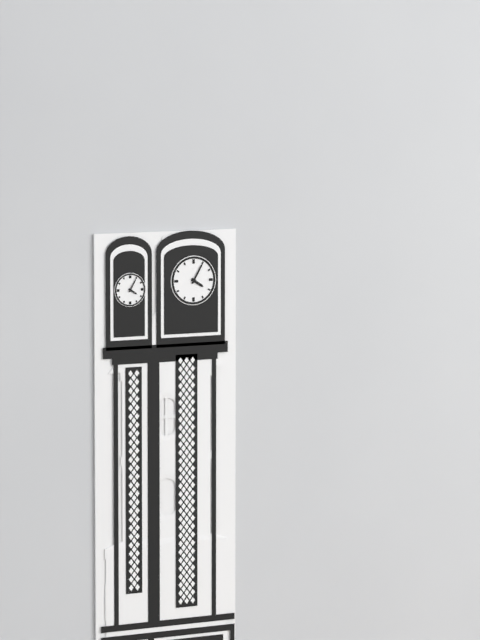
4.05
